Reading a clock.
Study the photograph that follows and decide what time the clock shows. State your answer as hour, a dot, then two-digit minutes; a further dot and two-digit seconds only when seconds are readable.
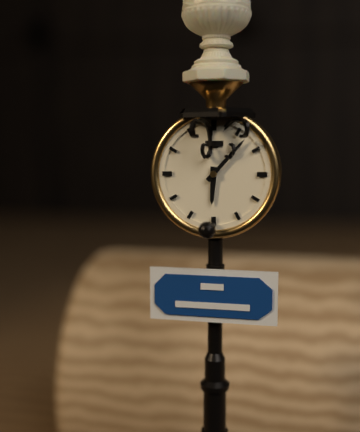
6.07
